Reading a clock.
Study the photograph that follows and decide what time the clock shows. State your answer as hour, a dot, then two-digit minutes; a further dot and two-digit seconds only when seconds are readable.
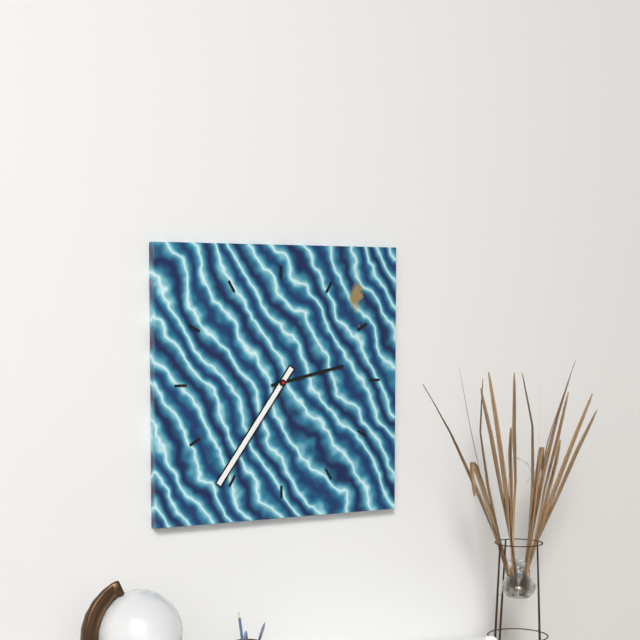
2.36
